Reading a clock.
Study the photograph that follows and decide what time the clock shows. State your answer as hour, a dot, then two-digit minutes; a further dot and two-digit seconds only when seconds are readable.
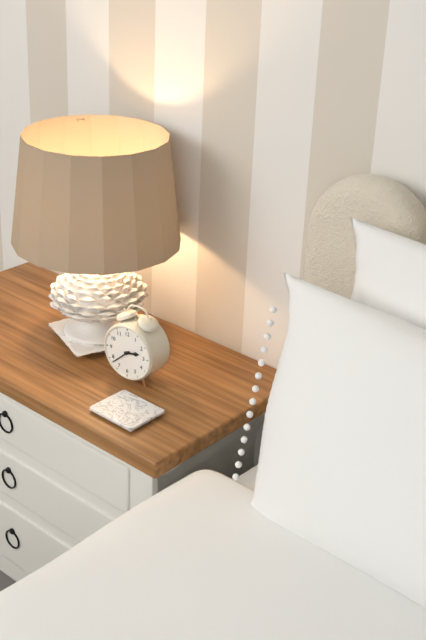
2.38
